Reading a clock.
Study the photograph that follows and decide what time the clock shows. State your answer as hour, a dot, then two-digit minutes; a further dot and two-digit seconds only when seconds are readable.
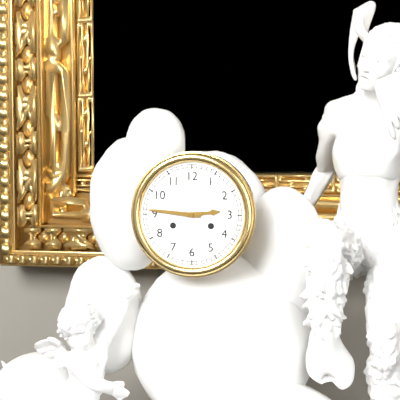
2.46
